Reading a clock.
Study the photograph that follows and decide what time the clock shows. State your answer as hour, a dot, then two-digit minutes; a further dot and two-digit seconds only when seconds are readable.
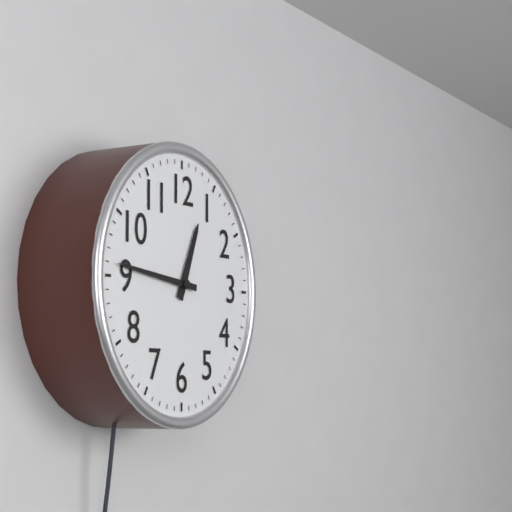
12.46
